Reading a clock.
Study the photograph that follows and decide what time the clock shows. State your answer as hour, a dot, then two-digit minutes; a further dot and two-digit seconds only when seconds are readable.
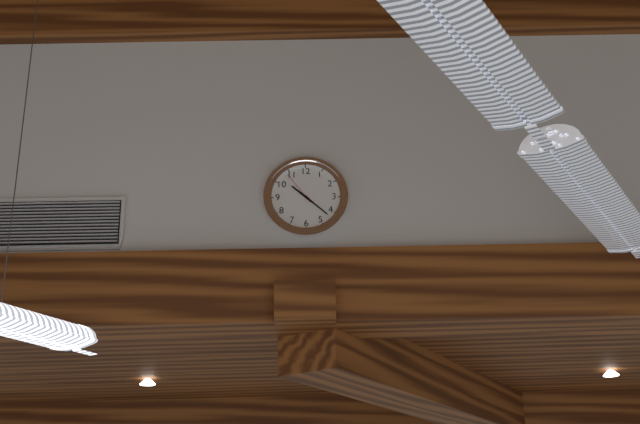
10.22
